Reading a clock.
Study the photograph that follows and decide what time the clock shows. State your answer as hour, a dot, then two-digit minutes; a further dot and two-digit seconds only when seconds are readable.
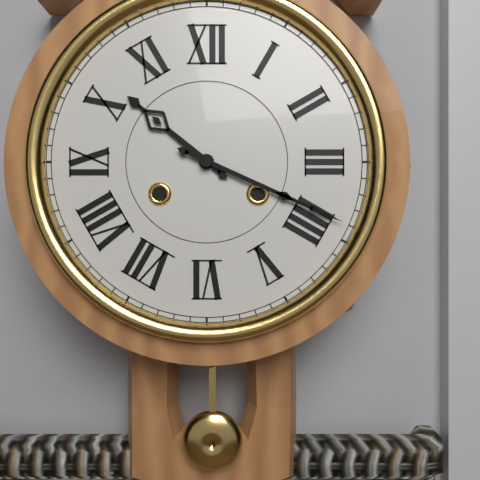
10.19
